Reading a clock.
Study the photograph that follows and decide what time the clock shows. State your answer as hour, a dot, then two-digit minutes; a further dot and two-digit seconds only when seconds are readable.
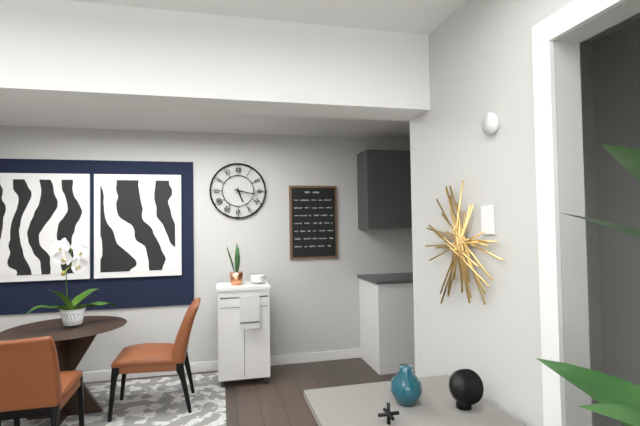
5.17
